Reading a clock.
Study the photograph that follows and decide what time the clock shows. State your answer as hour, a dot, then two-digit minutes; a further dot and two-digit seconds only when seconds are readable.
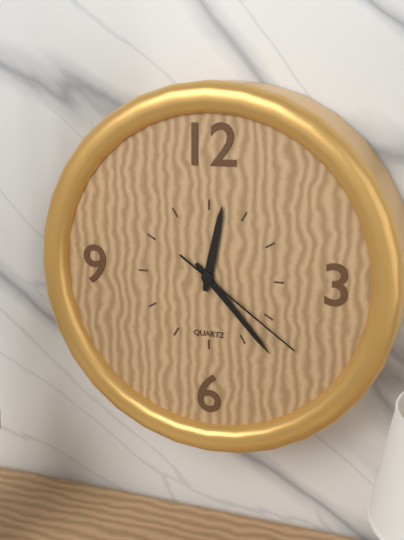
12.23.21
